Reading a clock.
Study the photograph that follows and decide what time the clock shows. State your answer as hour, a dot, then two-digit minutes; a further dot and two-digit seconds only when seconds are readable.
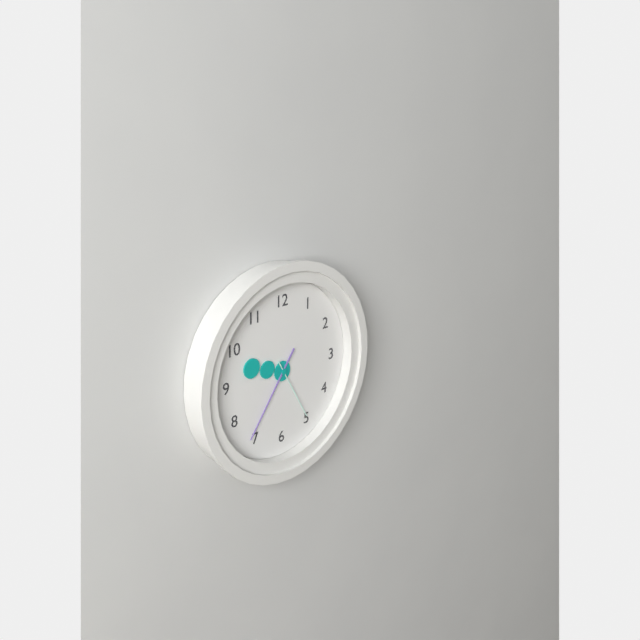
9.36.25
